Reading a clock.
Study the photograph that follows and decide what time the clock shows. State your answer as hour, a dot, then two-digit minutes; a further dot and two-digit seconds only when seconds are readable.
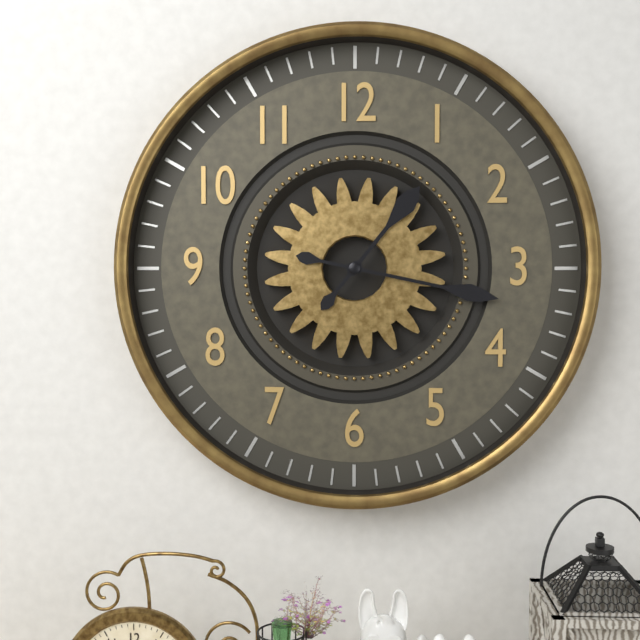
1.17
